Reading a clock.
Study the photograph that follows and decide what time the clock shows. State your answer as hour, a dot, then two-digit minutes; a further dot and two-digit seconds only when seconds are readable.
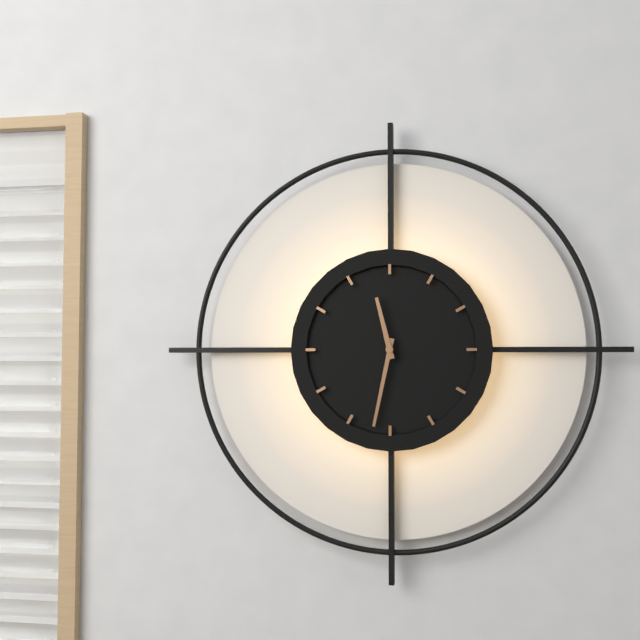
11.32
